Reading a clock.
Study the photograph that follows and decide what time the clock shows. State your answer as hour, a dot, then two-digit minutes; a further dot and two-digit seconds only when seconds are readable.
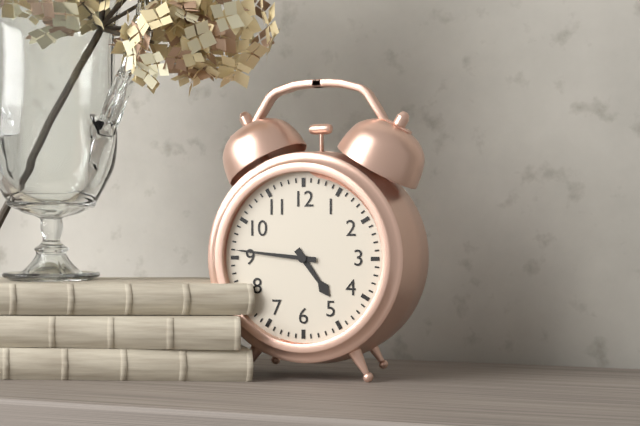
4.46
